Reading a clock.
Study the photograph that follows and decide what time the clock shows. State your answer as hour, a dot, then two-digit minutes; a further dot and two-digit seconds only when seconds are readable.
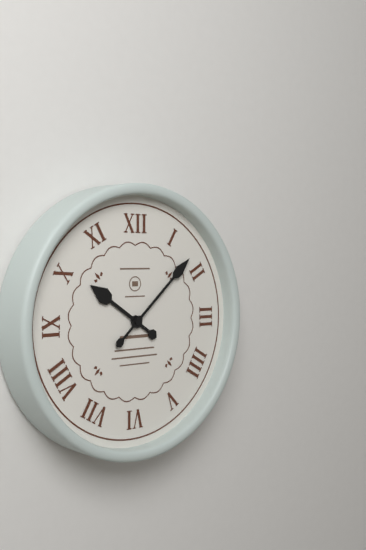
10.08
